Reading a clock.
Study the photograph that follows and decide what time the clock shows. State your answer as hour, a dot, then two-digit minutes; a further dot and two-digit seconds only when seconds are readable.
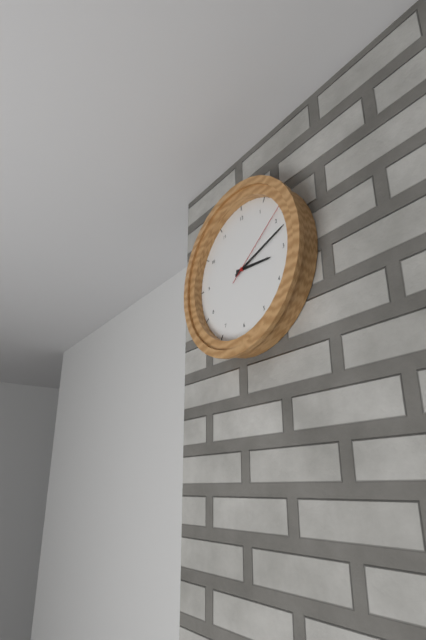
3.12.09
